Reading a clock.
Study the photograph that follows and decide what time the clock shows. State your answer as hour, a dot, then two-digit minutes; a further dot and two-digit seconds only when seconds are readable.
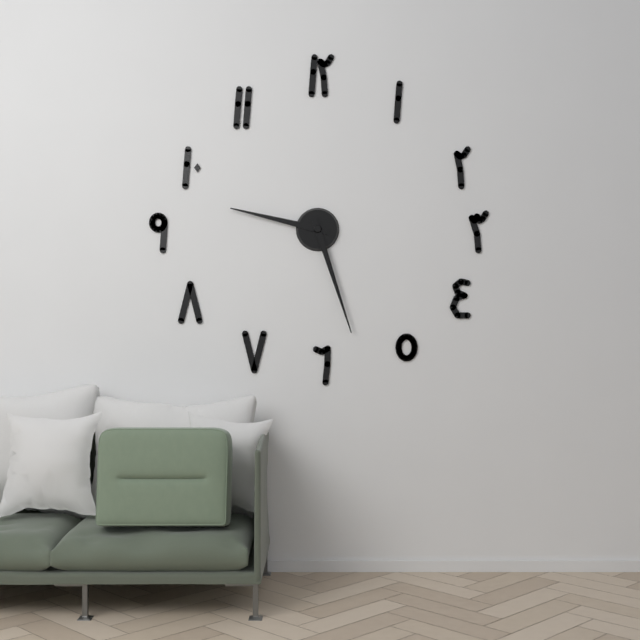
9.27
